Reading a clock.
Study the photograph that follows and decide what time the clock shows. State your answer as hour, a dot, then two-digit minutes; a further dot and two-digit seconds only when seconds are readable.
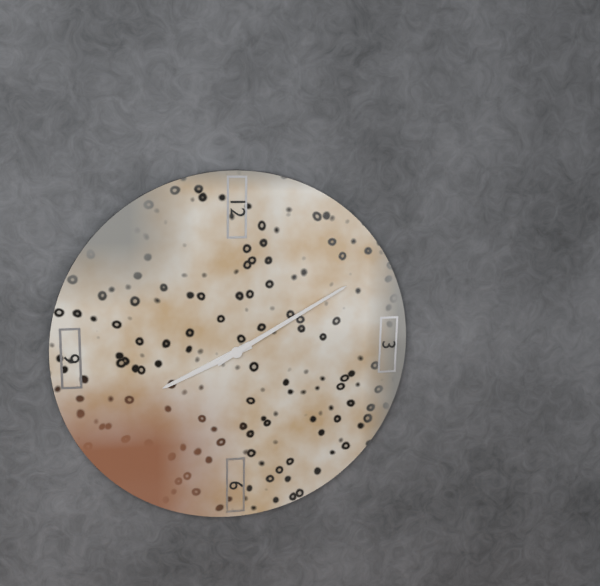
8.10
